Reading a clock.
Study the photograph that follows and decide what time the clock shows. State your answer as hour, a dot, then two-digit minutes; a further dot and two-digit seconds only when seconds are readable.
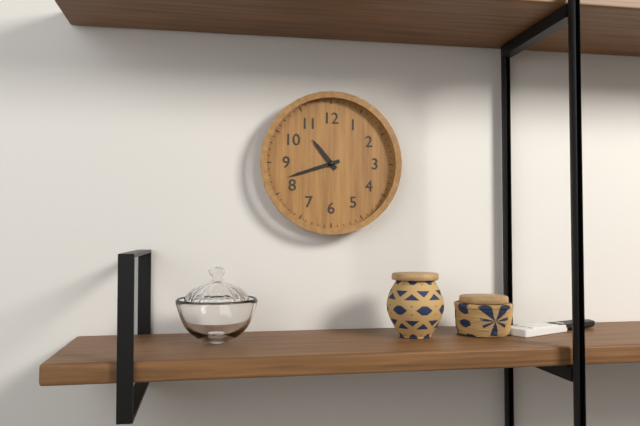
10.42
